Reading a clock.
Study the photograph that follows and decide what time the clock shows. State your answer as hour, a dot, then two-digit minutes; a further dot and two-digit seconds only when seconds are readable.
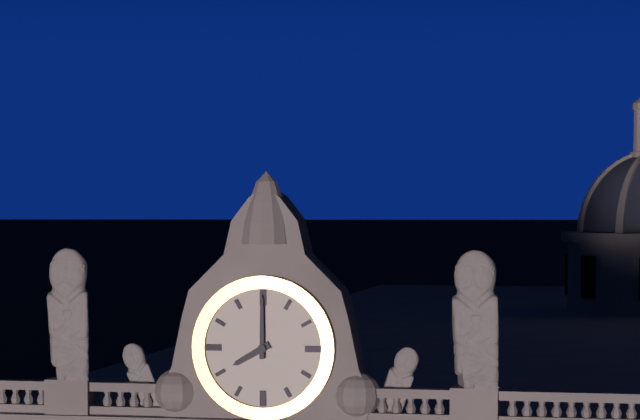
8.00
